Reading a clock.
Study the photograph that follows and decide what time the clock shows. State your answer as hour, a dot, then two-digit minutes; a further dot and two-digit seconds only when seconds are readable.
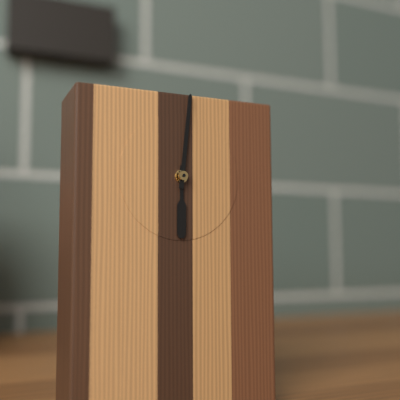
6.01
